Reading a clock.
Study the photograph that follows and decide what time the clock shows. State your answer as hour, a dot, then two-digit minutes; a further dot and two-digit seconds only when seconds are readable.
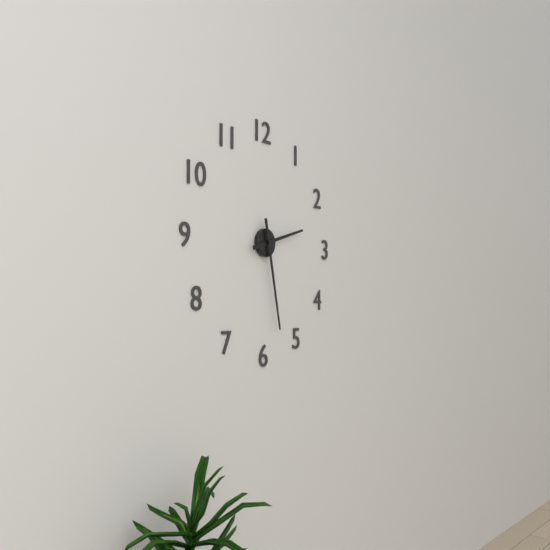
2.28
